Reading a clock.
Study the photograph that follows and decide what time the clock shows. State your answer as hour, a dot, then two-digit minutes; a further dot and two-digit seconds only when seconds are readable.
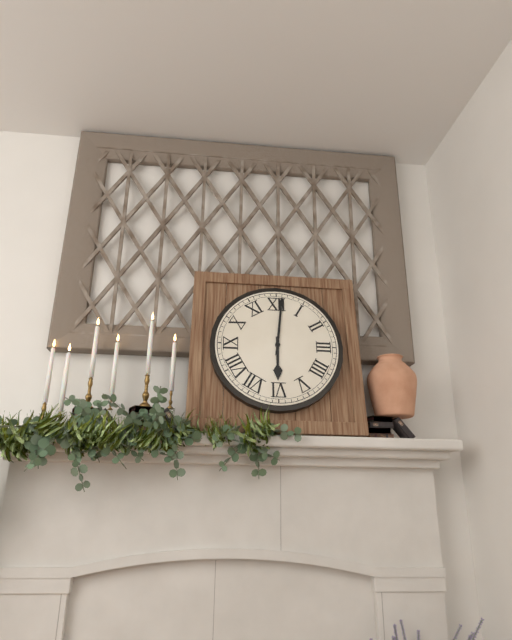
6.01
